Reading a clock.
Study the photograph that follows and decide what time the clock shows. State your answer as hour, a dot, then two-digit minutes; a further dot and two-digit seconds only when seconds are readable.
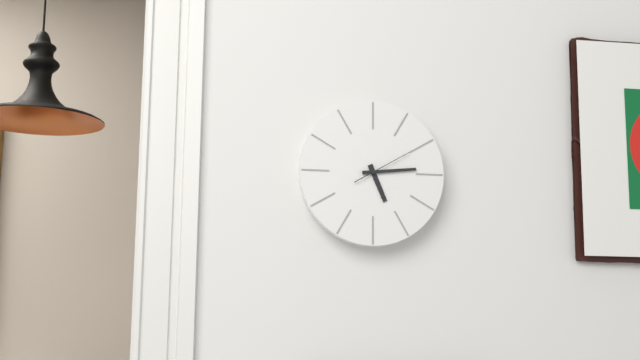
5.14.10
